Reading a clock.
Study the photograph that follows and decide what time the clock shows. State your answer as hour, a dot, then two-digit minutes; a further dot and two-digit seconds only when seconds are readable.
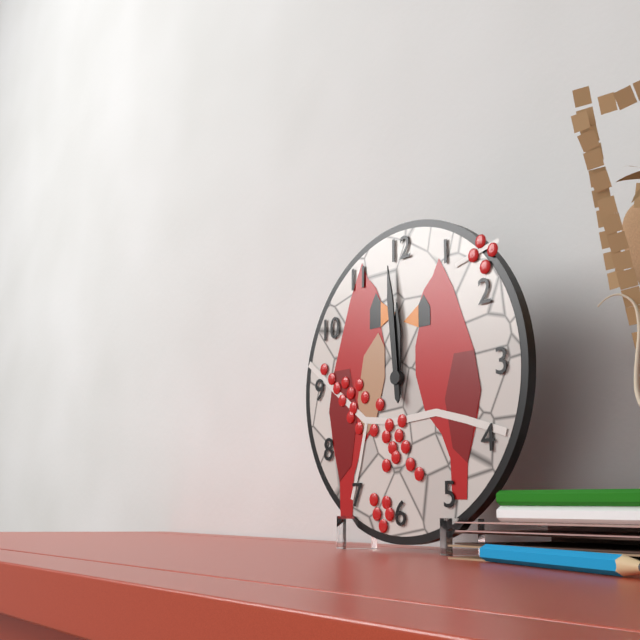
11.59
